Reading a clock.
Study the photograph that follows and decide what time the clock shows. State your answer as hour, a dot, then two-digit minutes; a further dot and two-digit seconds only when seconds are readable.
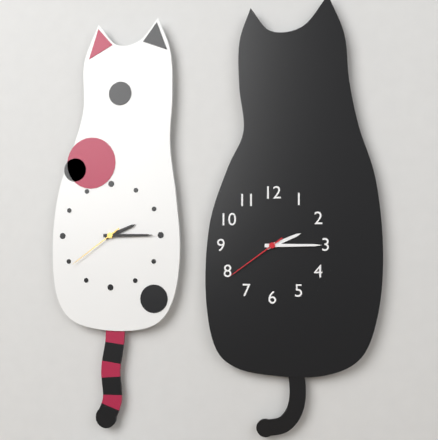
2.15.39
